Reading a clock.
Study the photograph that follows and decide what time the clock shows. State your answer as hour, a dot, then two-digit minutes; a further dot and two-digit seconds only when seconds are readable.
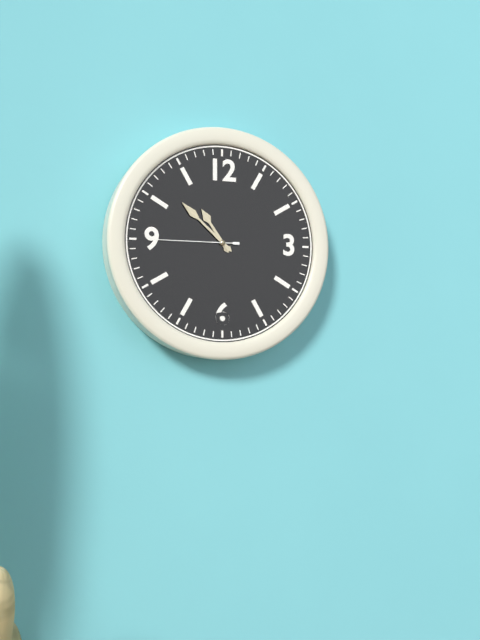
10.52.45
